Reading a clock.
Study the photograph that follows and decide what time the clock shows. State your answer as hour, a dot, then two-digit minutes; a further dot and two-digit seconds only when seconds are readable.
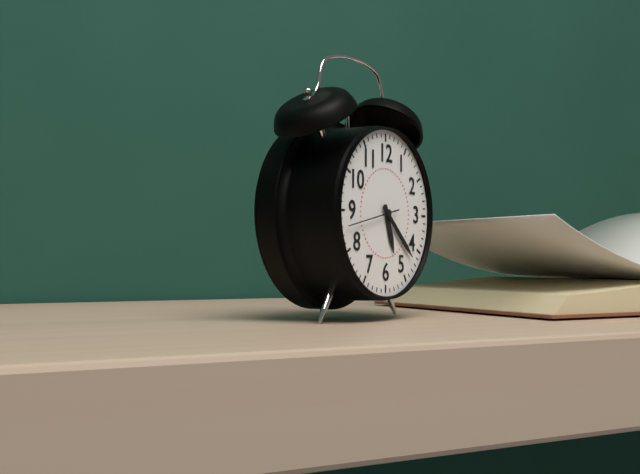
5.22
